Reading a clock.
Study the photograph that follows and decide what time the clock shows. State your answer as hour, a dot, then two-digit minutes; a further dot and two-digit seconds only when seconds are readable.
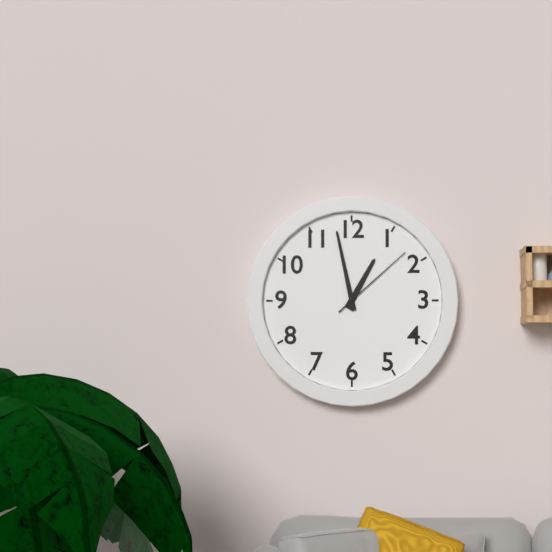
12.58.08
